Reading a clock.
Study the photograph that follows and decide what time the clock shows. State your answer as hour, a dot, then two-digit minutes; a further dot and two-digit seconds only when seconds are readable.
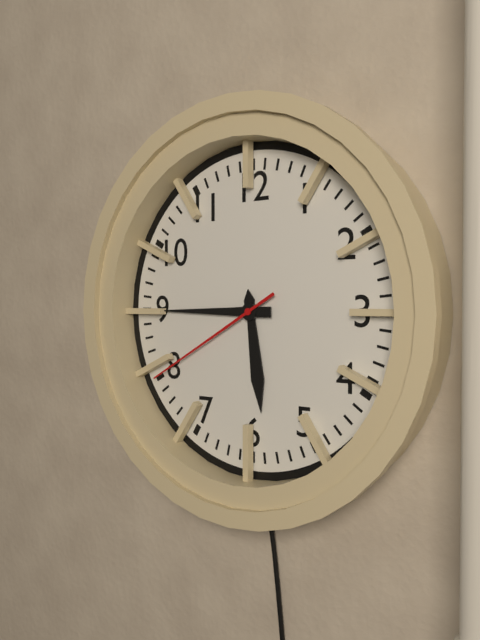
5.45.40
